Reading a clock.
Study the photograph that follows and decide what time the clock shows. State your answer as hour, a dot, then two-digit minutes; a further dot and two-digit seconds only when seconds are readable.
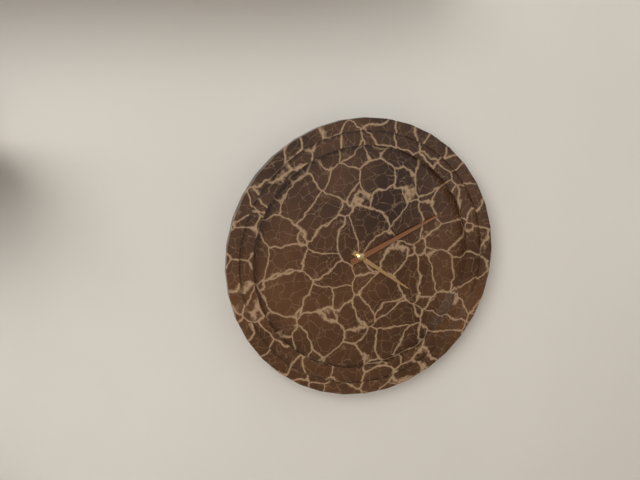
4.11
